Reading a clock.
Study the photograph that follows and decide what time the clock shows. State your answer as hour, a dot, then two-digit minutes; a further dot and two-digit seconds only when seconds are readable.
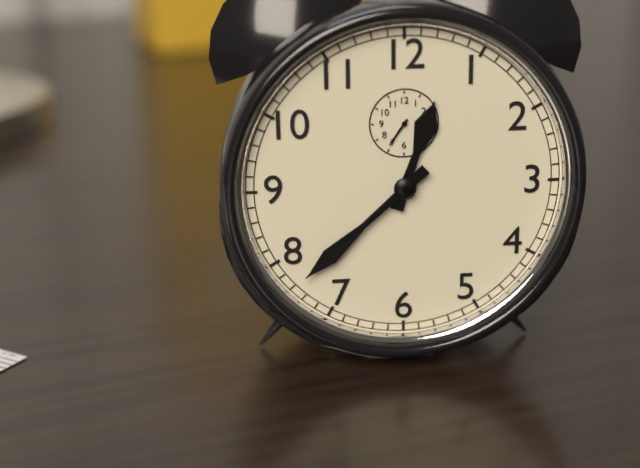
12.38
